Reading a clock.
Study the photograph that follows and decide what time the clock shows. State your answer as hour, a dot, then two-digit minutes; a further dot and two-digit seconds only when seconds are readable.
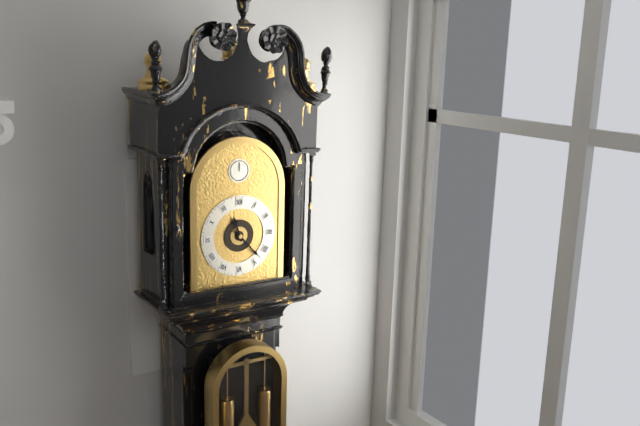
11.23
